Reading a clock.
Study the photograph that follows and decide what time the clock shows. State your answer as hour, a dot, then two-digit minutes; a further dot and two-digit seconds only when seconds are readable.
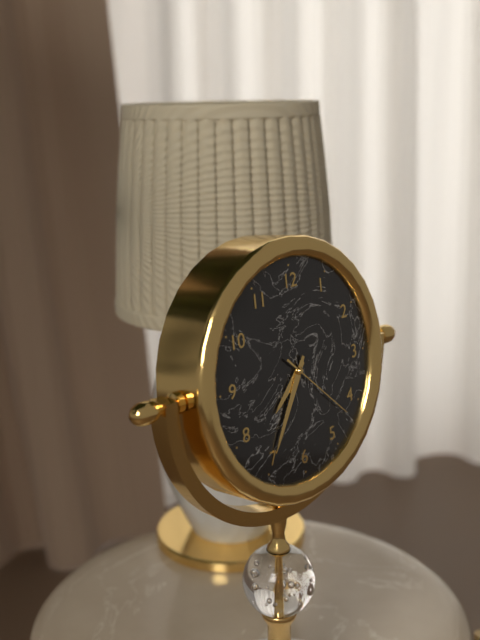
7.35.22
